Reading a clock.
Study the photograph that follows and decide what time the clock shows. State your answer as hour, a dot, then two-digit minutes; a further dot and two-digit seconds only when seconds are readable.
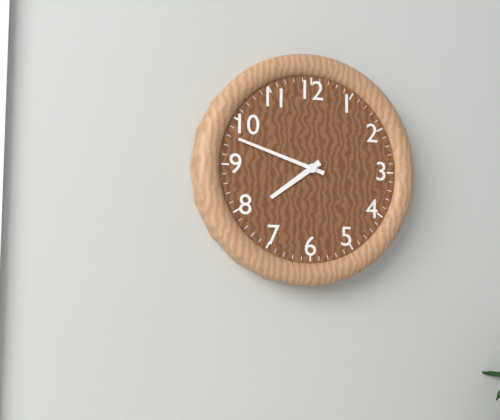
7.48
